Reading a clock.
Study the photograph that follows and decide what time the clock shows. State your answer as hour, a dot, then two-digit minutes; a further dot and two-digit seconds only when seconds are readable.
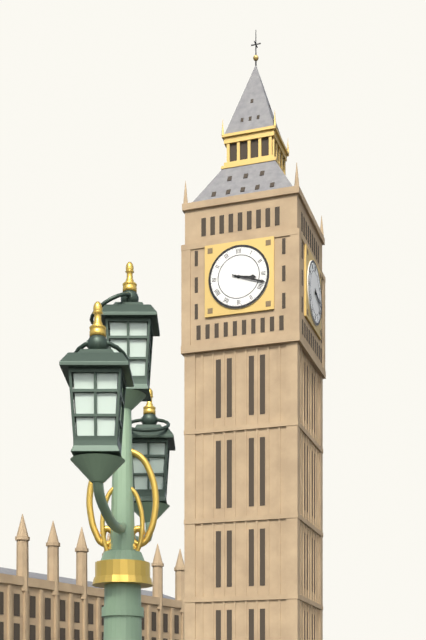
3.18
